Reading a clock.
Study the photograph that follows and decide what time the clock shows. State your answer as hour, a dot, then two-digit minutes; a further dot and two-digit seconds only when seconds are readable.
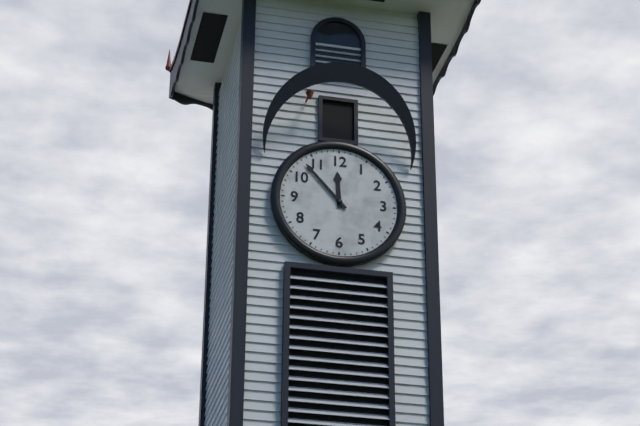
11.53
